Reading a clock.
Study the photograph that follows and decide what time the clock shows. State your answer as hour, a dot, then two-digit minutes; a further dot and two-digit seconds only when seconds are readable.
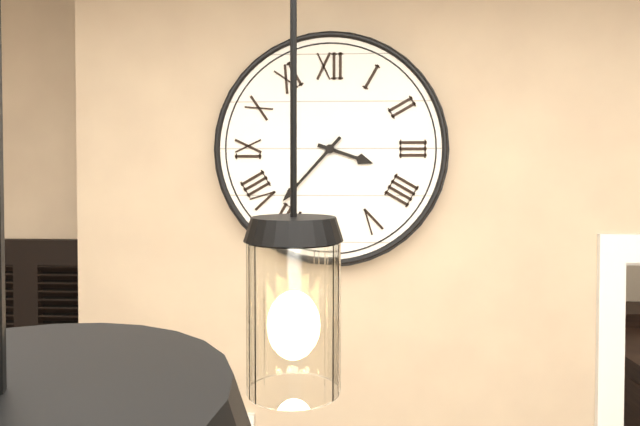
3.37
